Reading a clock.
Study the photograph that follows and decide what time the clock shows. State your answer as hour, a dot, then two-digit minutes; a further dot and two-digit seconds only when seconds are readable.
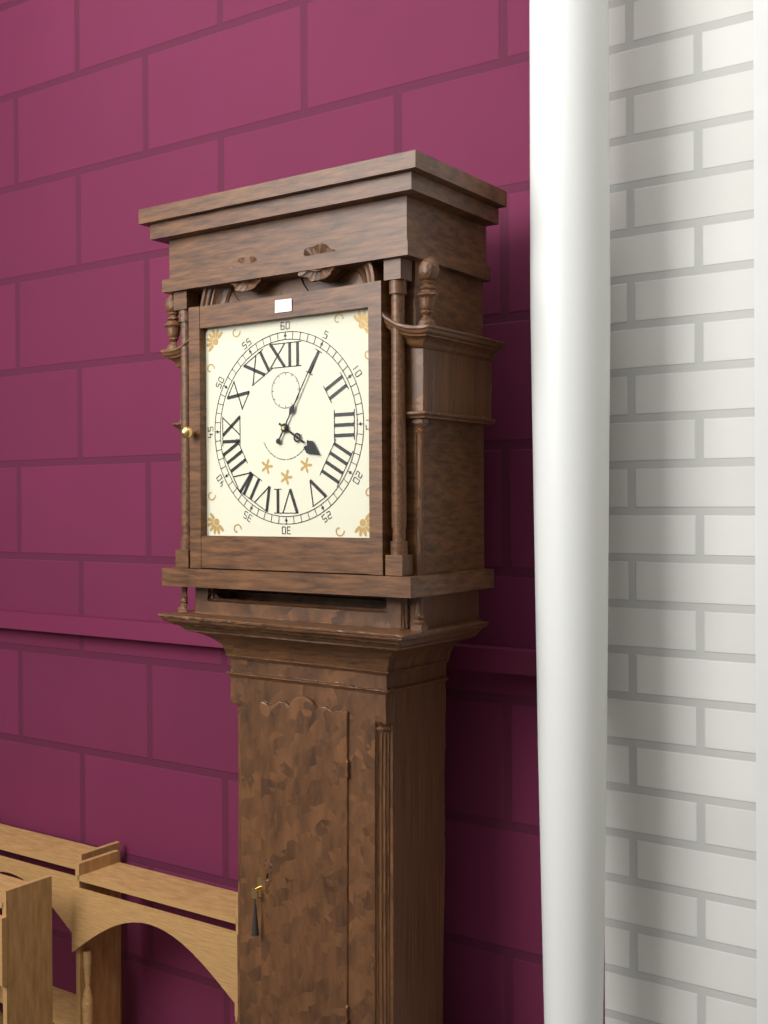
4.05
